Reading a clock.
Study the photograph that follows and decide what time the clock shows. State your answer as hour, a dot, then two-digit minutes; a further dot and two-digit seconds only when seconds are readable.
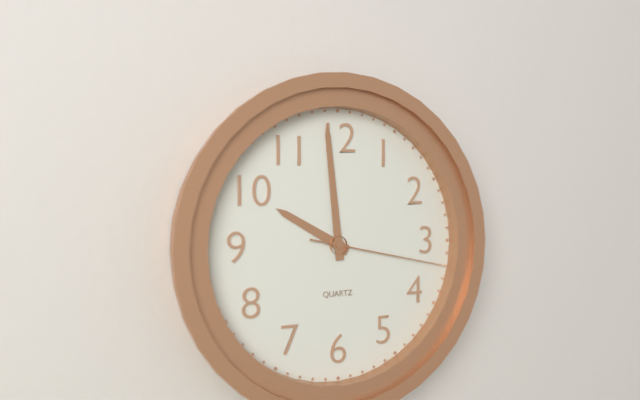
9.59.17
